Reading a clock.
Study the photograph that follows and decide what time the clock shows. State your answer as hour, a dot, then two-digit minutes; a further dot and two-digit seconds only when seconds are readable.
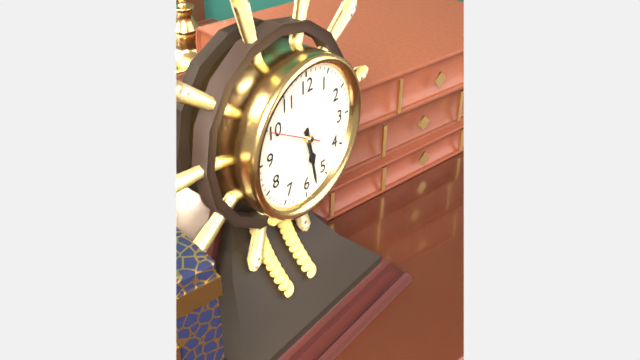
5.28.50
